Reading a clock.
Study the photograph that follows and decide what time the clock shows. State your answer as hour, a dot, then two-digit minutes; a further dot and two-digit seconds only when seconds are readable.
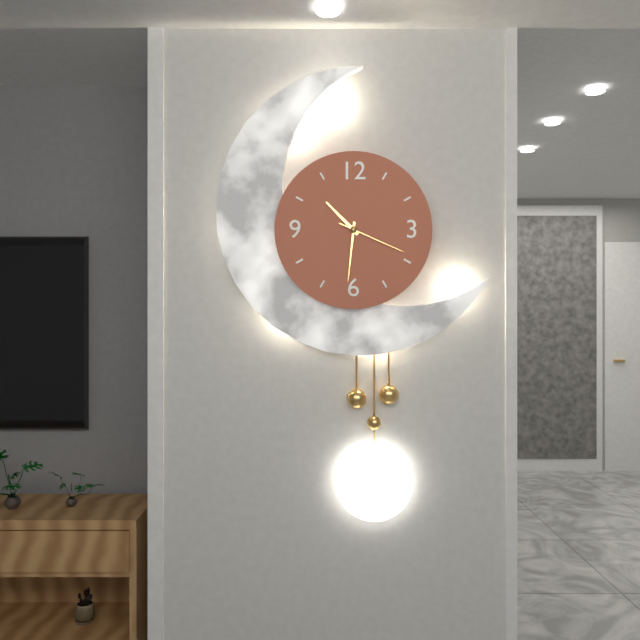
10.31.19
